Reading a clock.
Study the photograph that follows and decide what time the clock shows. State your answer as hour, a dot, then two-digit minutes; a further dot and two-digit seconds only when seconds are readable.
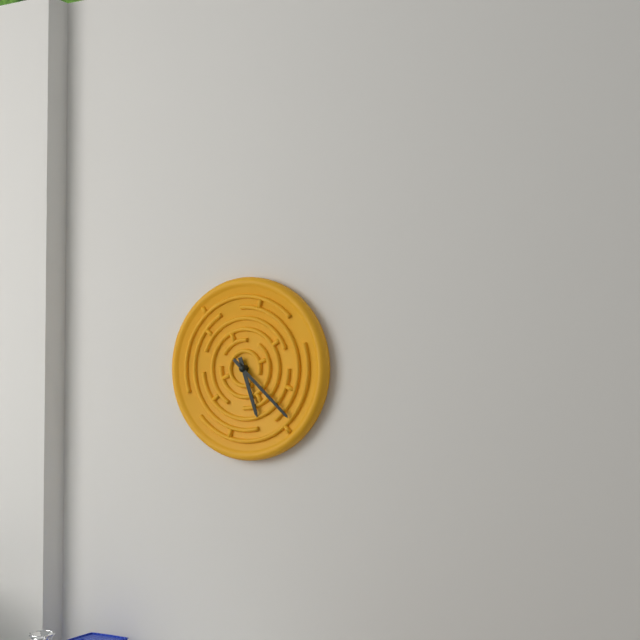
5.22
